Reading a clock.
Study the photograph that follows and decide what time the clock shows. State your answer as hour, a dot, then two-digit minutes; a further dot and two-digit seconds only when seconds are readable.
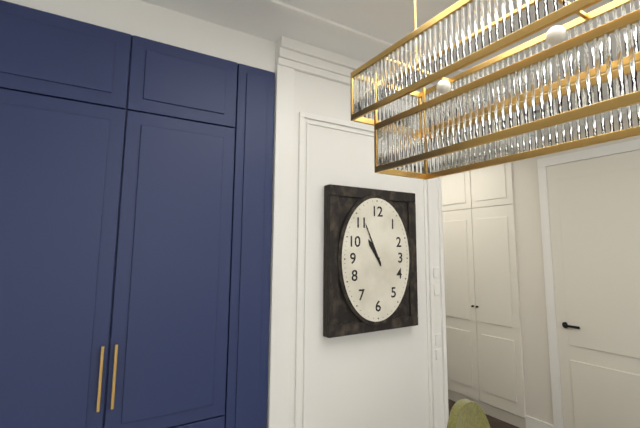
10.56
